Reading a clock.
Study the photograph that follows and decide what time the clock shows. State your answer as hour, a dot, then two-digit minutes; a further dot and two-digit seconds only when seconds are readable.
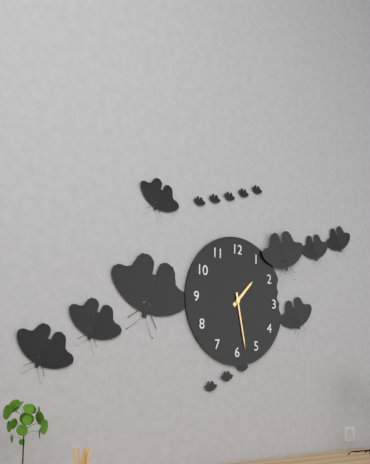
1.28
